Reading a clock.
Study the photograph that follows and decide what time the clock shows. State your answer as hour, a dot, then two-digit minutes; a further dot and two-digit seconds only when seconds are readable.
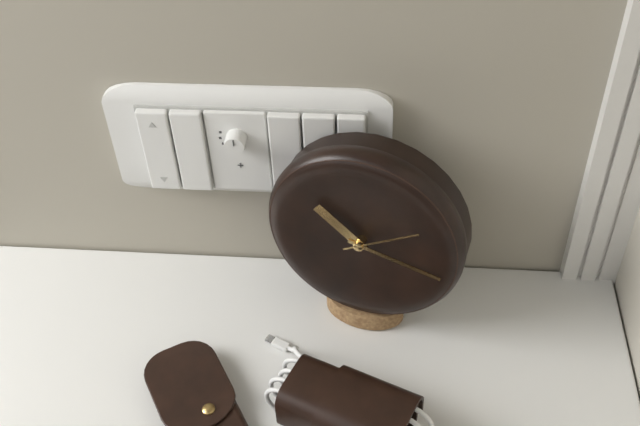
10.17.10
